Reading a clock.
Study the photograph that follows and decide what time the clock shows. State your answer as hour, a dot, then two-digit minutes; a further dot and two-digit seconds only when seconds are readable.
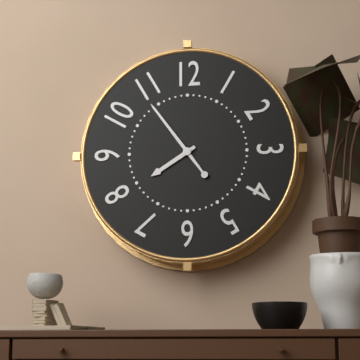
7.54
